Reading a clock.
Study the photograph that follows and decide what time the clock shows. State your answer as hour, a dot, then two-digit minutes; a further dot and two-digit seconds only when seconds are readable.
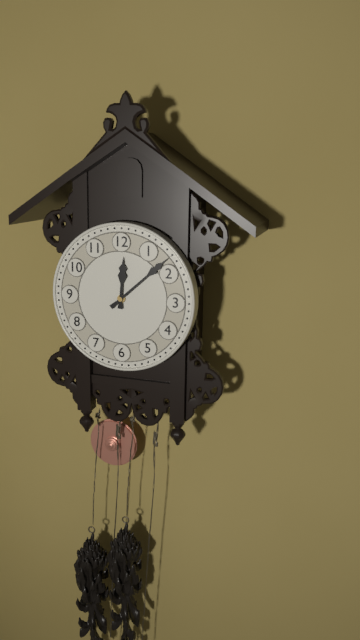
12.08
